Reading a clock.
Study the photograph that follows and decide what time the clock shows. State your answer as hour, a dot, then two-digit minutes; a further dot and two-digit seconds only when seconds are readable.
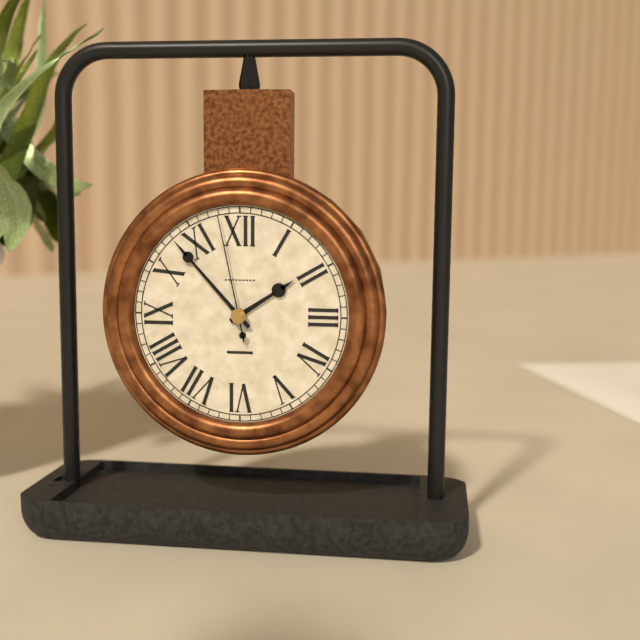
1.53.58
